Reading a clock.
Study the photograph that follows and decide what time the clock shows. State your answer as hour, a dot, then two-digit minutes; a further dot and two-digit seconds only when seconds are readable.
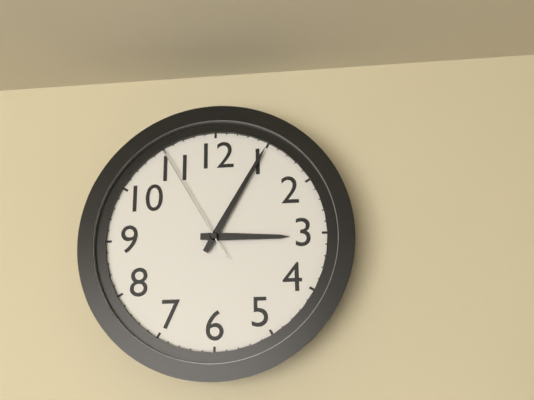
3.05.55
